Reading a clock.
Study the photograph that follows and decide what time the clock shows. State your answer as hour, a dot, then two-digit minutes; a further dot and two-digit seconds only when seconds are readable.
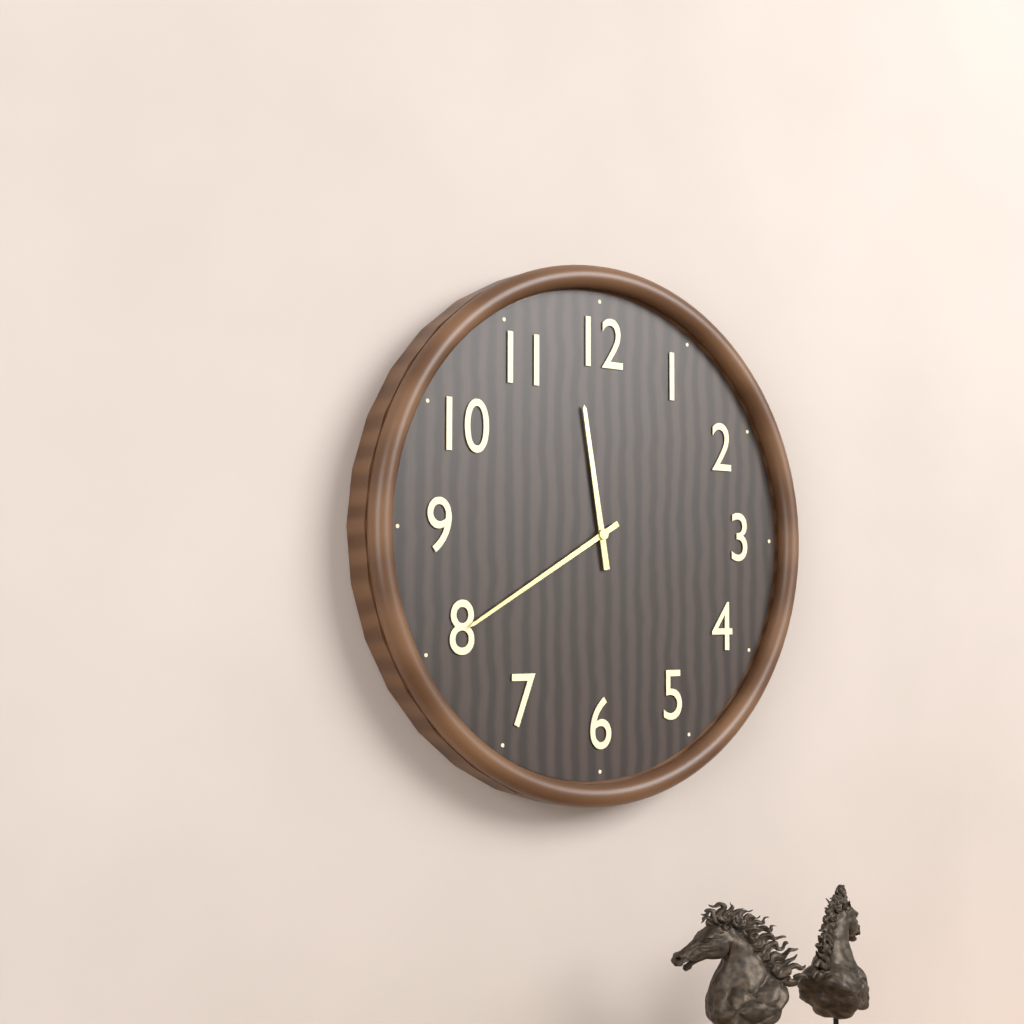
11.40
